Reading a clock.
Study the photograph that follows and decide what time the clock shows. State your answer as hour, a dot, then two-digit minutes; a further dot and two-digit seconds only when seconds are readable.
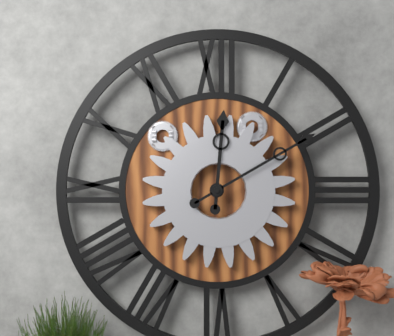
12.10
